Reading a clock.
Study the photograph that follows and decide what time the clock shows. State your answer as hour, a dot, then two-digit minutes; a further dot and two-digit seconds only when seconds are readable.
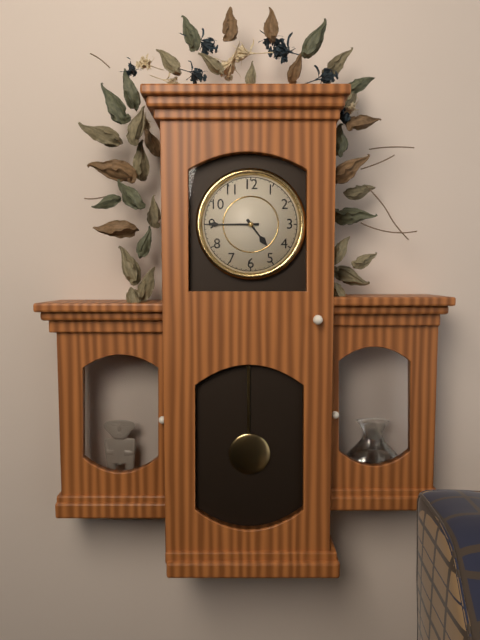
4.45
